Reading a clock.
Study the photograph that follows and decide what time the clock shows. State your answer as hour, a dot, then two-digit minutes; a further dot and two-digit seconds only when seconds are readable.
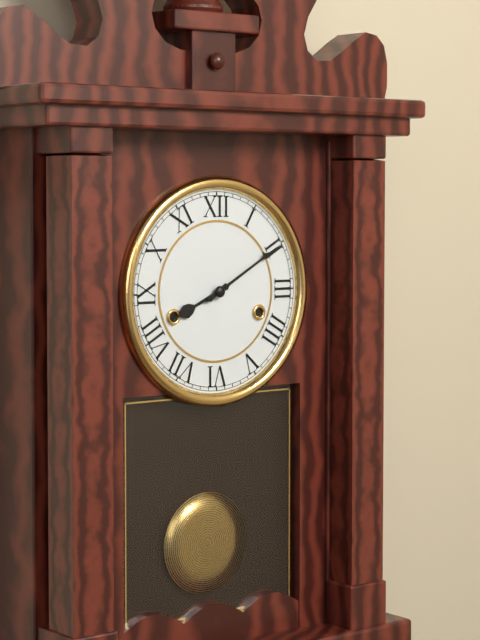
8.10
